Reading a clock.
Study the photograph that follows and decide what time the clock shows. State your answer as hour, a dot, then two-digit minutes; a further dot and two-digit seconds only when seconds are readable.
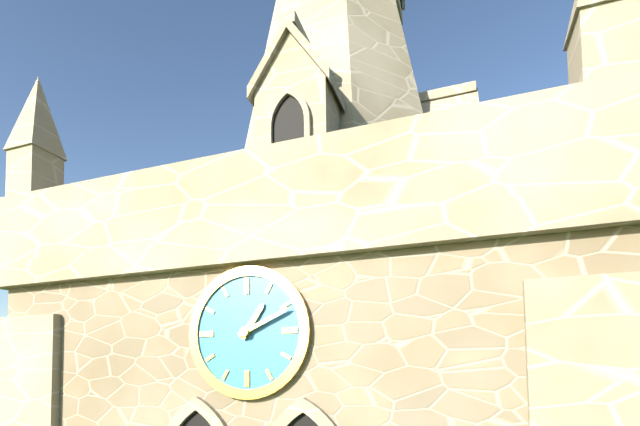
1.11
